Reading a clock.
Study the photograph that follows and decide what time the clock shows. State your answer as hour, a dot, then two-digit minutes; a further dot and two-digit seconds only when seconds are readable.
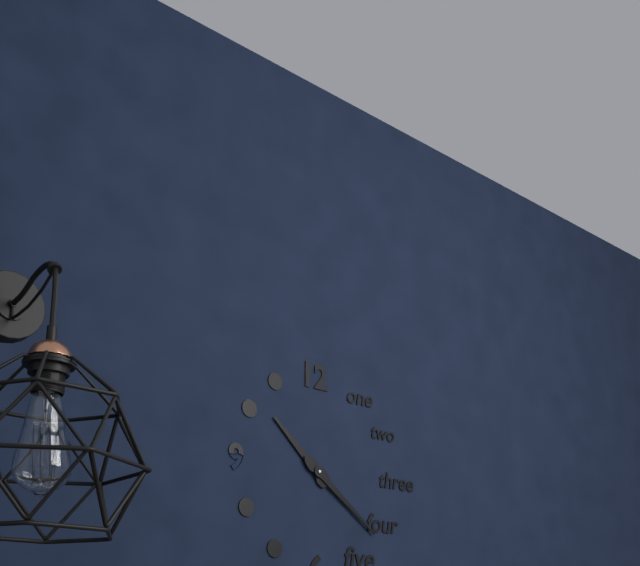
10.21
